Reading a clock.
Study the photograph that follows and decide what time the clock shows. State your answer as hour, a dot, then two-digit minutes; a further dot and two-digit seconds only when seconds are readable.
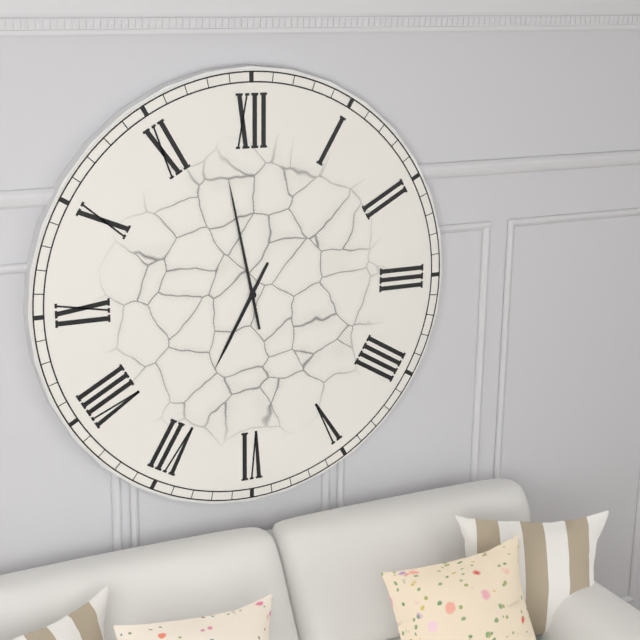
6.58
